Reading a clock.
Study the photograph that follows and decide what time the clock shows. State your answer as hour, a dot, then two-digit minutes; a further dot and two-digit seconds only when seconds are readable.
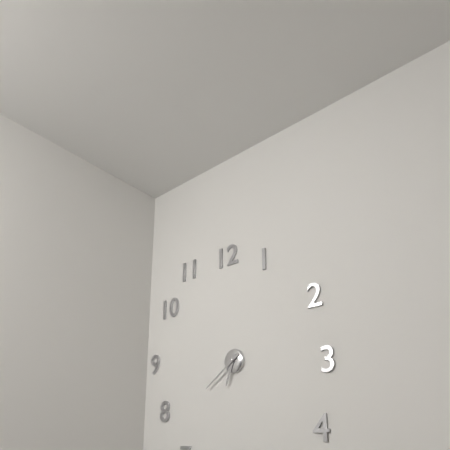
6.39
